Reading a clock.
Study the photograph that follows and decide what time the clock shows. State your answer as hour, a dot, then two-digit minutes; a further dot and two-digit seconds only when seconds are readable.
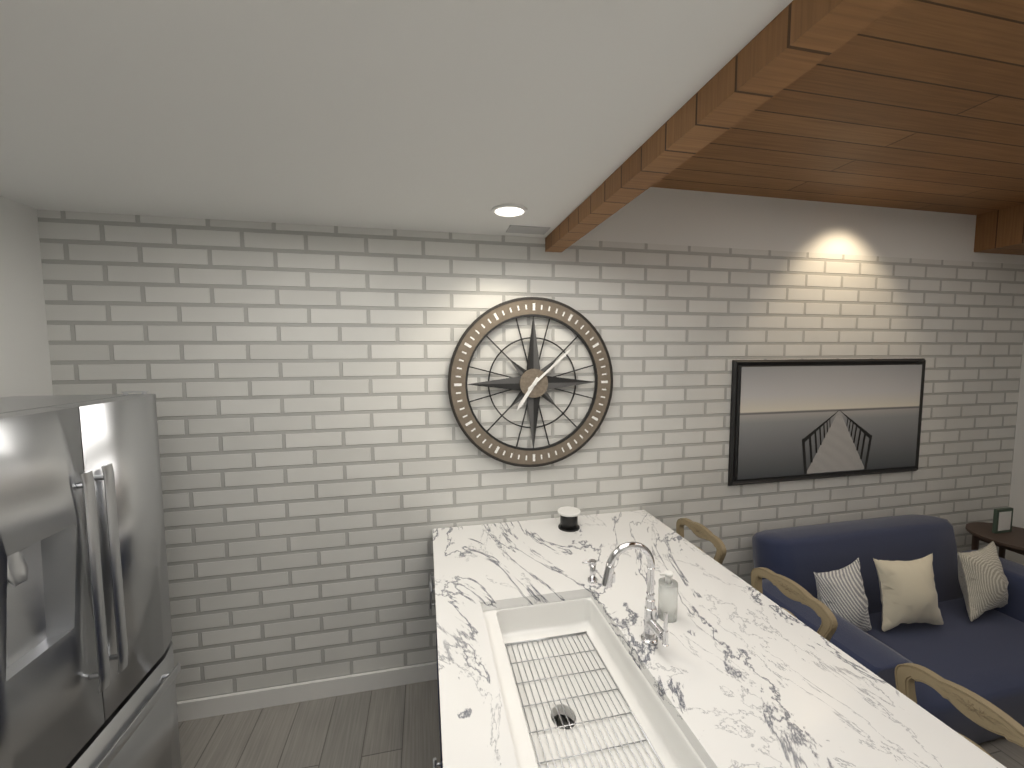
7.08
